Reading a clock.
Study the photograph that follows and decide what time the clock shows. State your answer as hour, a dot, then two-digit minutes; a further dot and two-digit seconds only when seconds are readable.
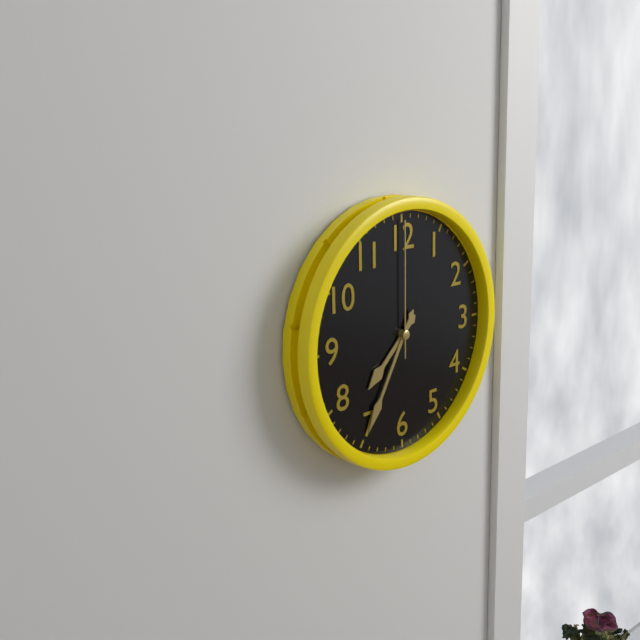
7.35.00
